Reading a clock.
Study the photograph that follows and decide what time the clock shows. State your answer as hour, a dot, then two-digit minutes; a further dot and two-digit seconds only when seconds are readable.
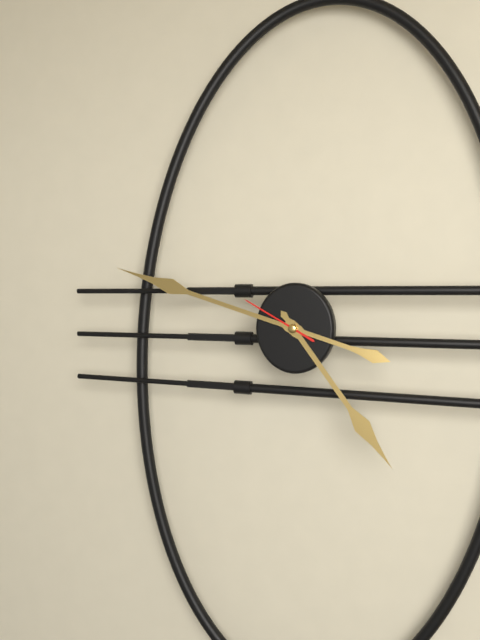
4.48.50
